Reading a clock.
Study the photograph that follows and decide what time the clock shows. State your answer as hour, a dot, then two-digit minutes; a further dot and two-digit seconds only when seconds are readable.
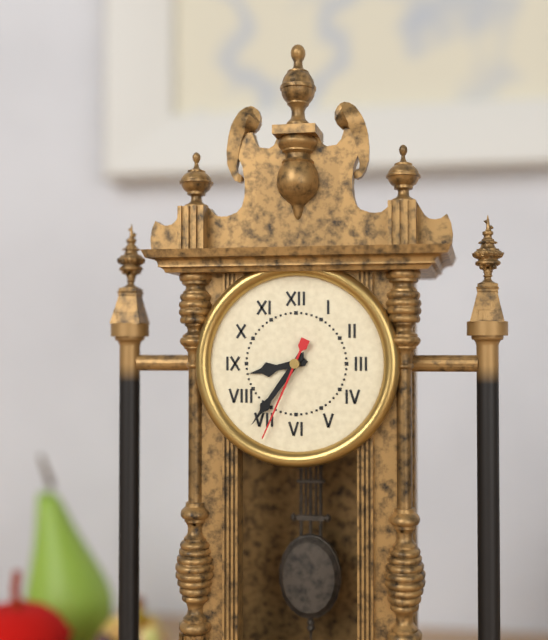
8.36.34
